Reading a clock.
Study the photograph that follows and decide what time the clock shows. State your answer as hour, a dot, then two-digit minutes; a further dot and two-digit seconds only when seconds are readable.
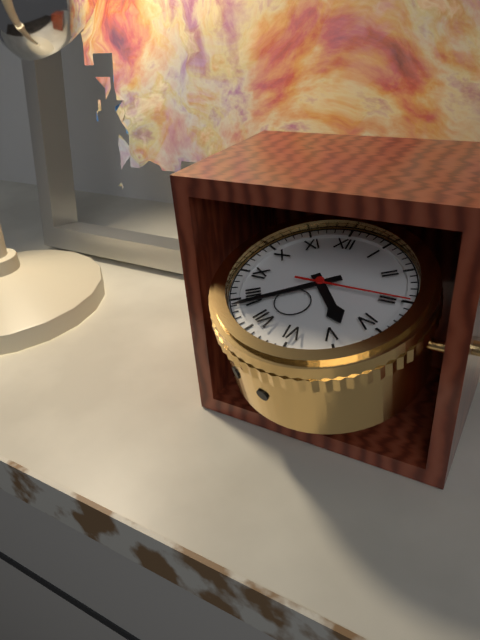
4.39.15
